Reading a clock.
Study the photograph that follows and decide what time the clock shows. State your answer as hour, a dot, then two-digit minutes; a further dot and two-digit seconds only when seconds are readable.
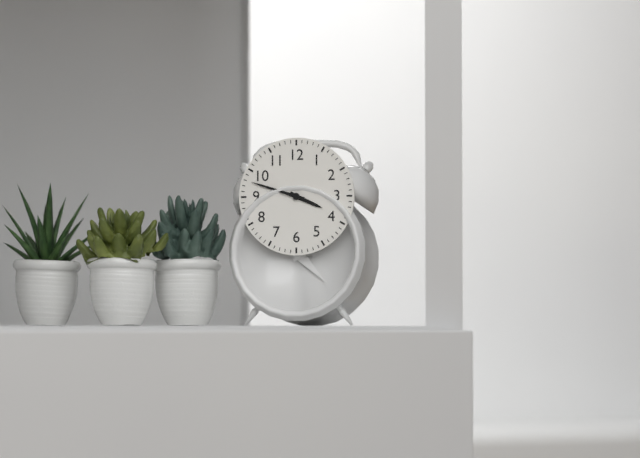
3.48
